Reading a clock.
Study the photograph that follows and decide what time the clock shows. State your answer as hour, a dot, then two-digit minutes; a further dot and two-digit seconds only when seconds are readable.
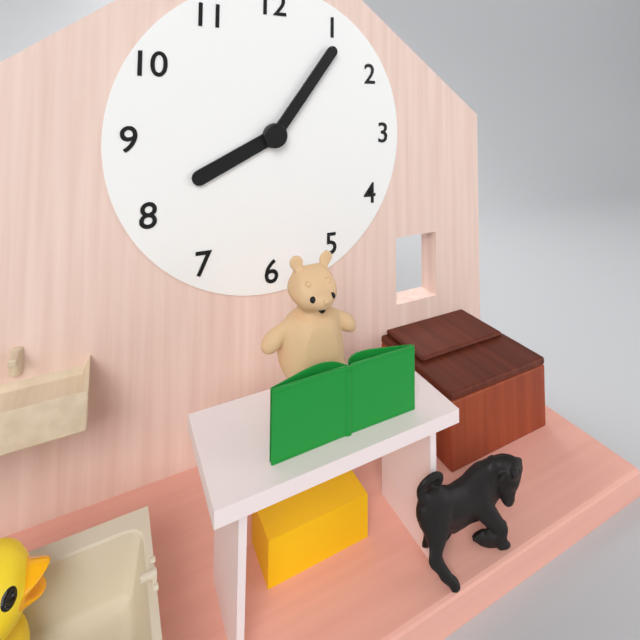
8.06
